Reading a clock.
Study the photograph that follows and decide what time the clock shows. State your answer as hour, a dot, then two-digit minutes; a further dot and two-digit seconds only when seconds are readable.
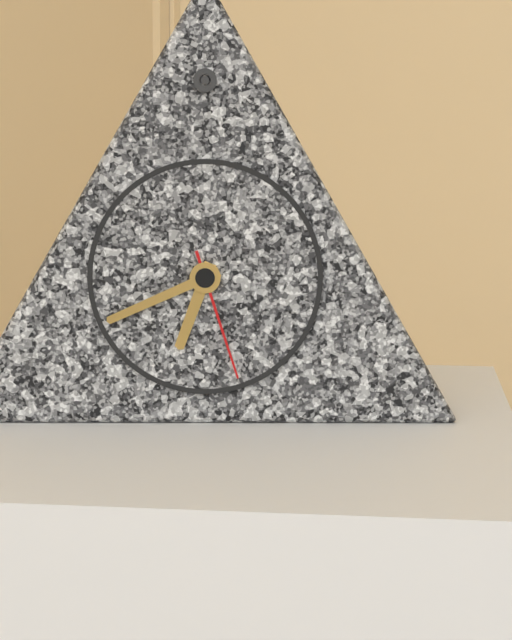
6.41.27
